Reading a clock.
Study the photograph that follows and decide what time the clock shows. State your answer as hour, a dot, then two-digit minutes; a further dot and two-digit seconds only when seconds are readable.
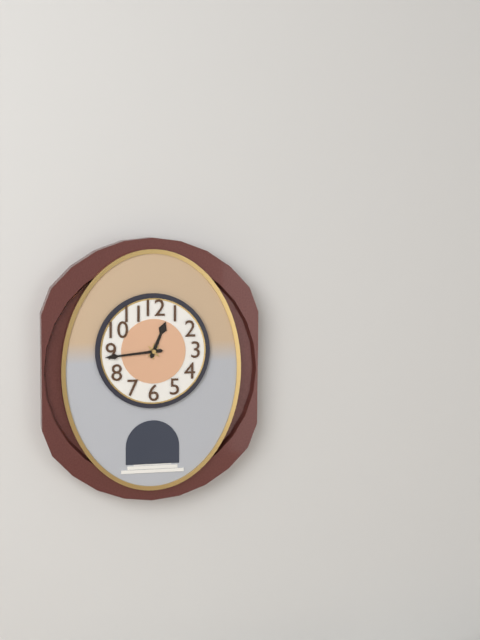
12.44
